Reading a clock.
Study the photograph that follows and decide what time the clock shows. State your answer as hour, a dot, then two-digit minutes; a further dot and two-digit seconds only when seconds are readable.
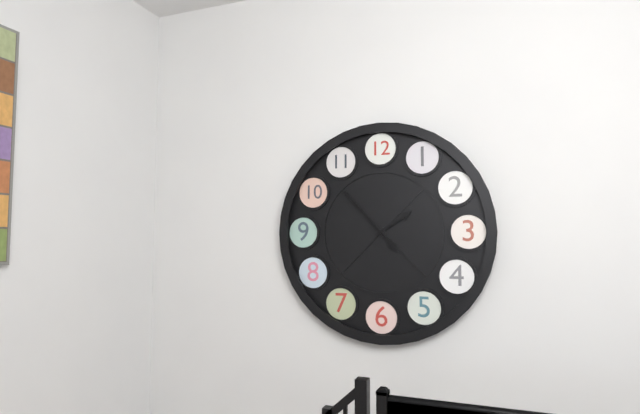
1.53
